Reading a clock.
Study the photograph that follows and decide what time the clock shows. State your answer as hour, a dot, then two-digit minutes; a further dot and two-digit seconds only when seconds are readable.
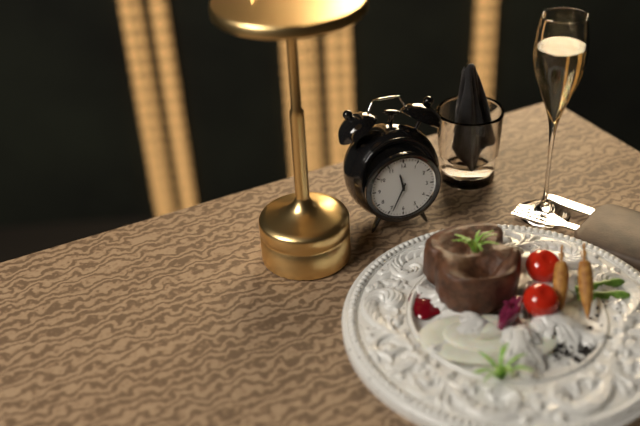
11.34
